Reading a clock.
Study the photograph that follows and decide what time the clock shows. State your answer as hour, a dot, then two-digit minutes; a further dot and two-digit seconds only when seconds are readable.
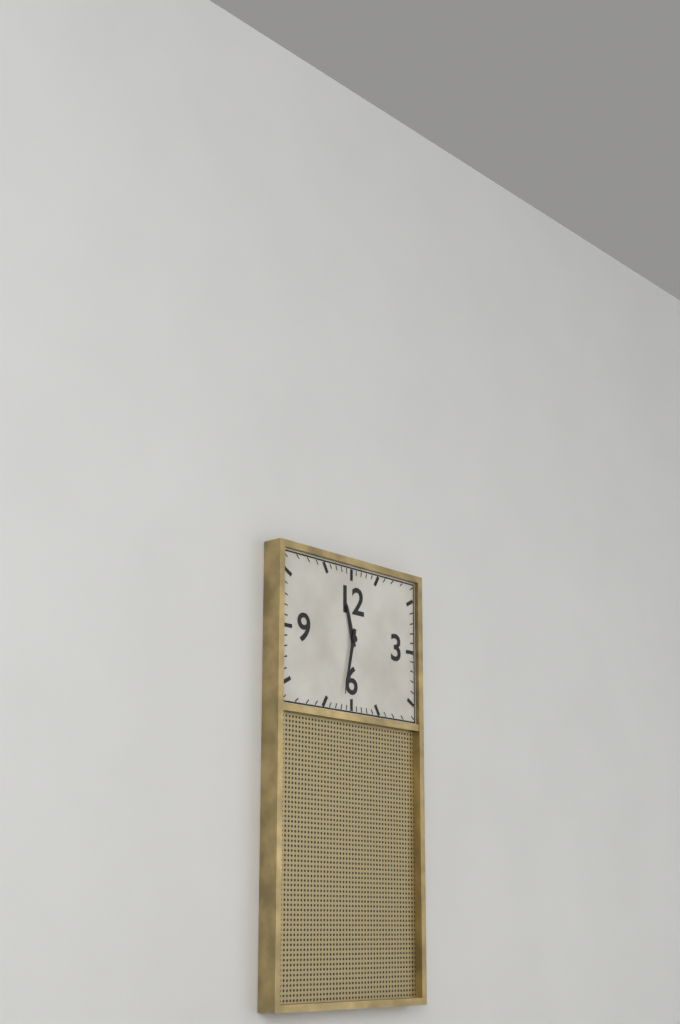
11.32
